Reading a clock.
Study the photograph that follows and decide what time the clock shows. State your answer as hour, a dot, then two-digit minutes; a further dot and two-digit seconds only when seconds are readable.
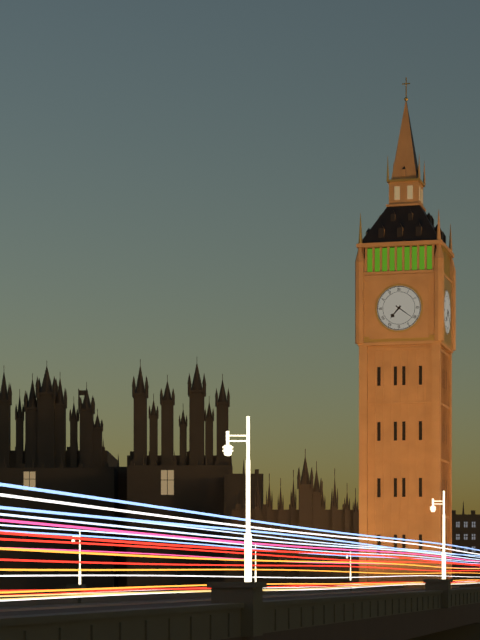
7.21
